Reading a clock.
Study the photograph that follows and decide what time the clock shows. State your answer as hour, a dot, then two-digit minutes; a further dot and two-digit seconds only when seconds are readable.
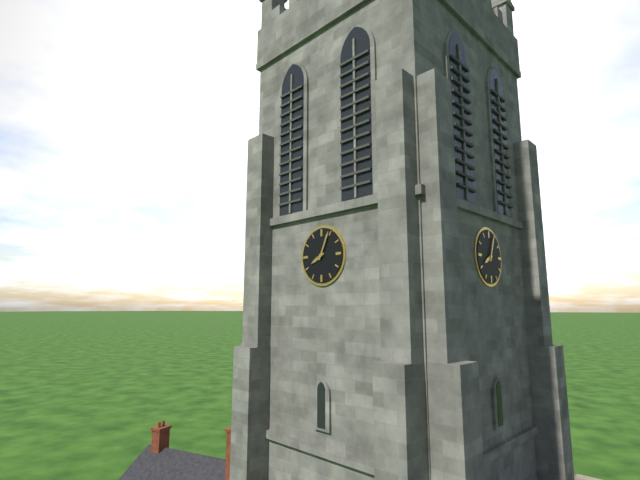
8.04
